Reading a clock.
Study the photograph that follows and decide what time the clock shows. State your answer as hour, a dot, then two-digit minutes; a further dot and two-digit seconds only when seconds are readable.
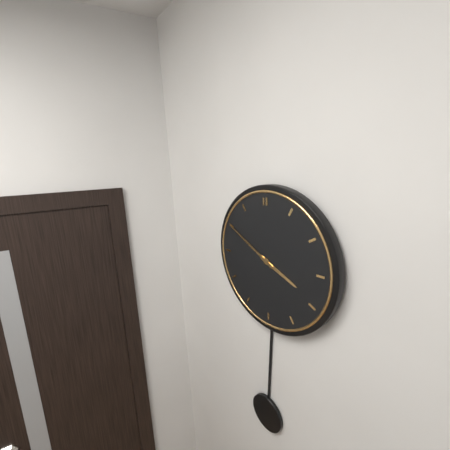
3.50
